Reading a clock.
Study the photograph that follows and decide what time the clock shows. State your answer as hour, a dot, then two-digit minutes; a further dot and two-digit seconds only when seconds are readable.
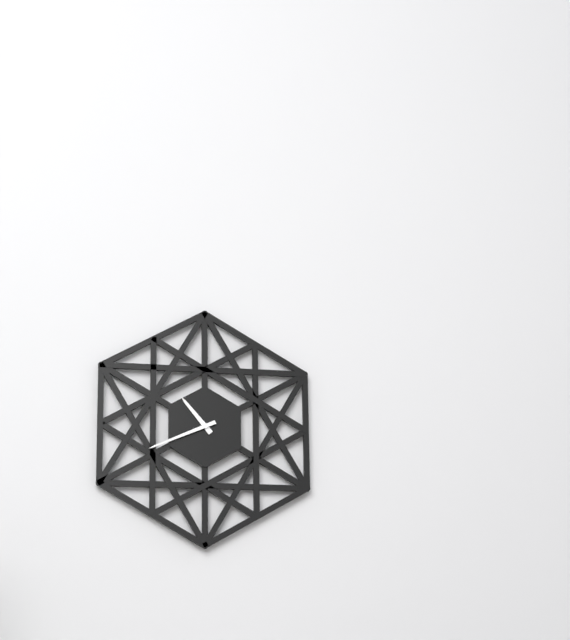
10.41
